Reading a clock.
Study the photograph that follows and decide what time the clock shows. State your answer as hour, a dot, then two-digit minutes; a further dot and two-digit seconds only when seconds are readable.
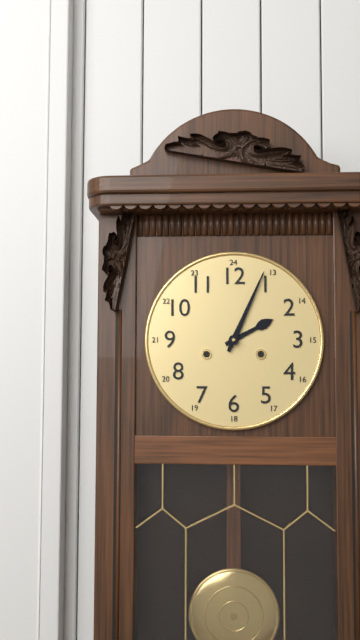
2.04
